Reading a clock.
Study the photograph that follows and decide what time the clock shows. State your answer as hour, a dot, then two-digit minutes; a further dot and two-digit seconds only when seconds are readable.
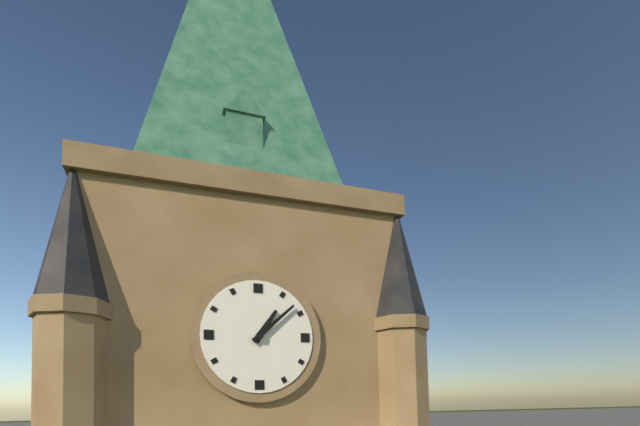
1.08
